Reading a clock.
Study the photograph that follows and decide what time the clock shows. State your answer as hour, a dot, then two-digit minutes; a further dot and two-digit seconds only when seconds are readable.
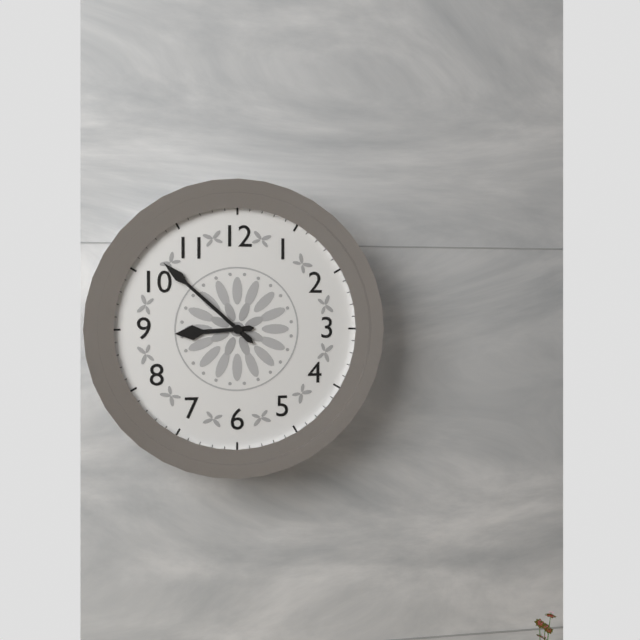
8.52
